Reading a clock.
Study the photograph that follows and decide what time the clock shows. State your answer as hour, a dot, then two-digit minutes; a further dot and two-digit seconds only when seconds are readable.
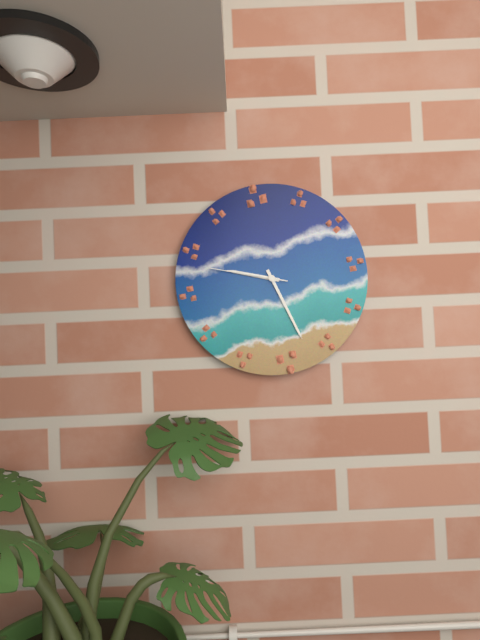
9.26.47
